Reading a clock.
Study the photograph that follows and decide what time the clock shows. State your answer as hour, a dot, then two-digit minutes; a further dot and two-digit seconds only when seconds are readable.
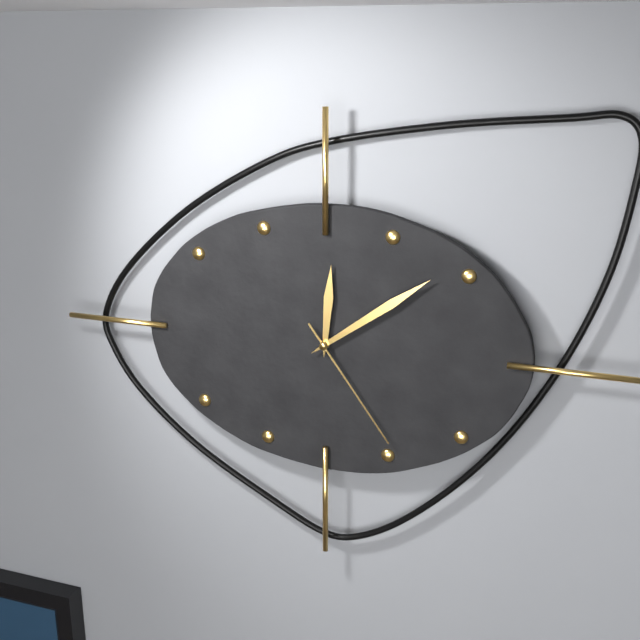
12.09.24
